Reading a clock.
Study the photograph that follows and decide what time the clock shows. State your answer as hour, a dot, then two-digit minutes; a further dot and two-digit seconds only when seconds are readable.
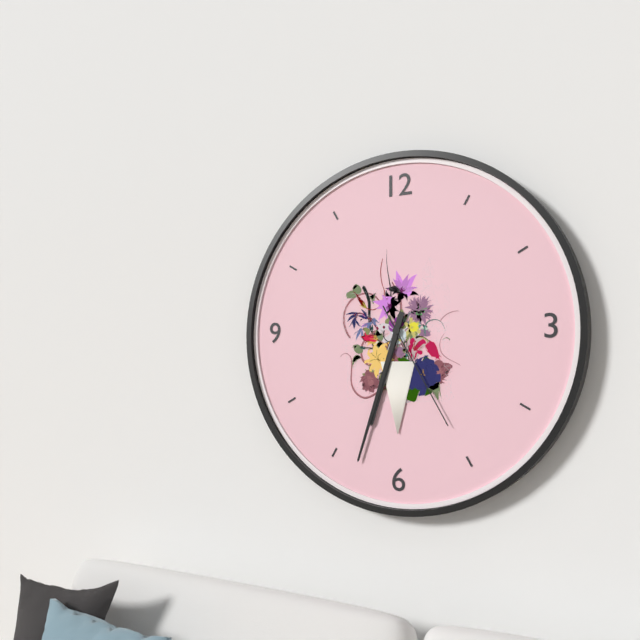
6.33.25
